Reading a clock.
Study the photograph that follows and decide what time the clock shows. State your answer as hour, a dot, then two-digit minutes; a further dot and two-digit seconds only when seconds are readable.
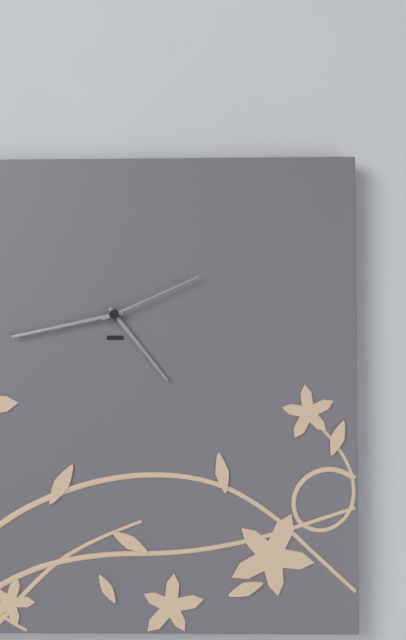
4.43.11
